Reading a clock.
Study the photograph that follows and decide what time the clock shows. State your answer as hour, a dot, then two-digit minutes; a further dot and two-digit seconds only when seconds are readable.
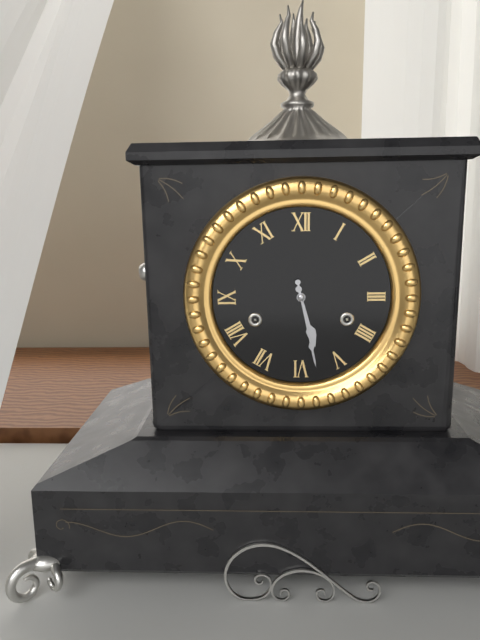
5.28
